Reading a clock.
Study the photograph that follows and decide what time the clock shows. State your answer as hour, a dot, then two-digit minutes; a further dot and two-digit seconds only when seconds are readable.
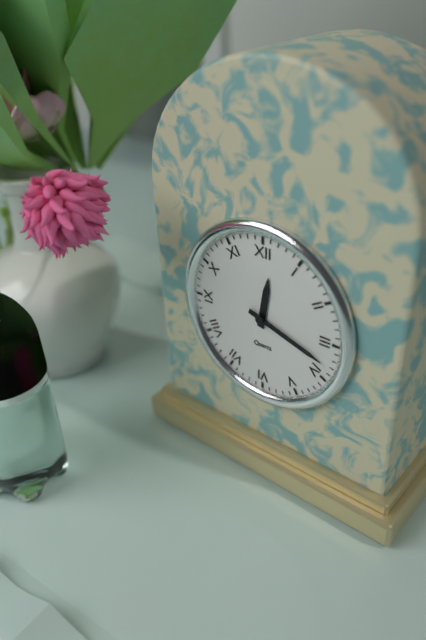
12.18
